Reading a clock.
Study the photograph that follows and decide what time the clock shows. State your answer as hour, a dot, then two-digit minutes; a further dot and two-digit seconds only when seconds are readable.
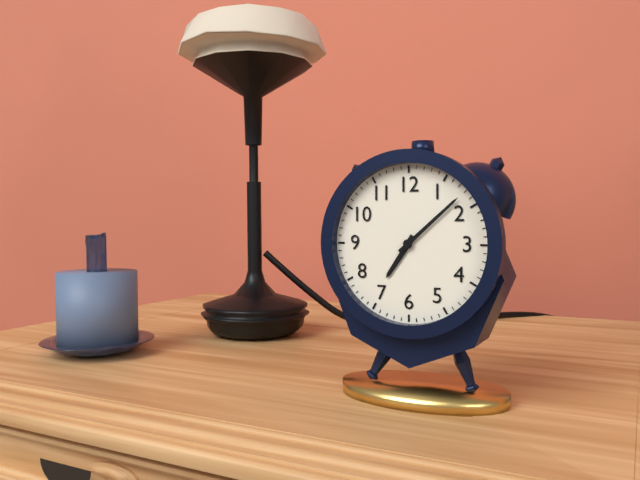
7.08
